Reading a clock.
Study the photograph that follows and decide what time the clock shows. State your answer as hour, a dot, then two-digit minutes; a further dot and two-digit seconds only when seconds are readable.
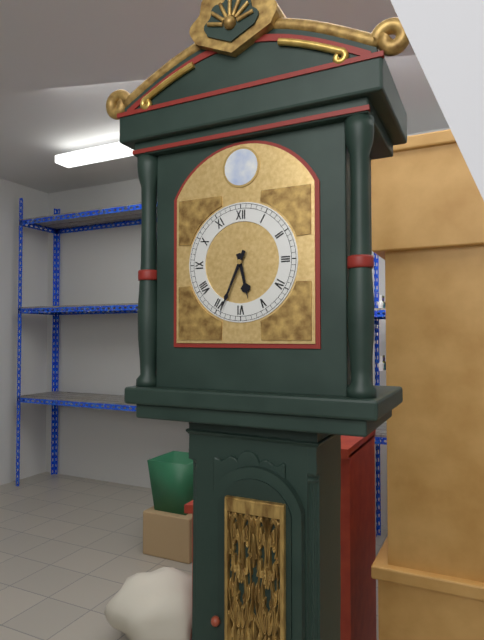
5.34
